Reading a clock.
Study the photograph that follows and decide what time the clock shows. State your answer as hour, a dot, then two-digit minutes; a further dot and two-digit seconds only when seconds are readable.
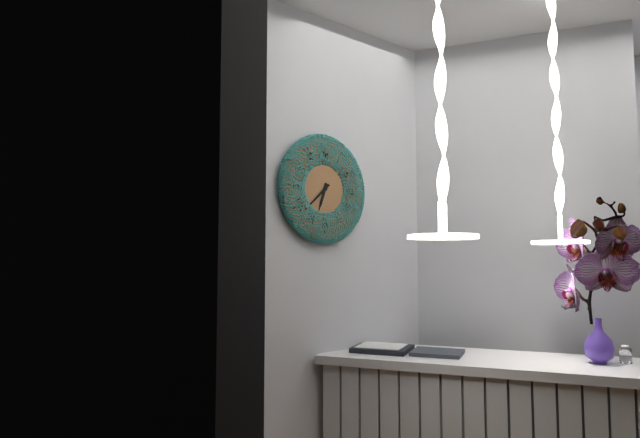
6.38
